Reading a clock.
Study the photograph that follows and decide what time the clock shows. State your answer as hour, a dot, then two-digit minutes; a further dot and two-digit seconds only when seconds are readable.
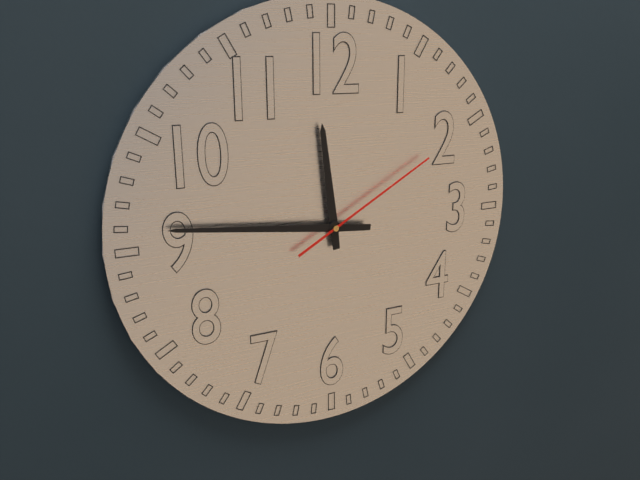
11.46.10
